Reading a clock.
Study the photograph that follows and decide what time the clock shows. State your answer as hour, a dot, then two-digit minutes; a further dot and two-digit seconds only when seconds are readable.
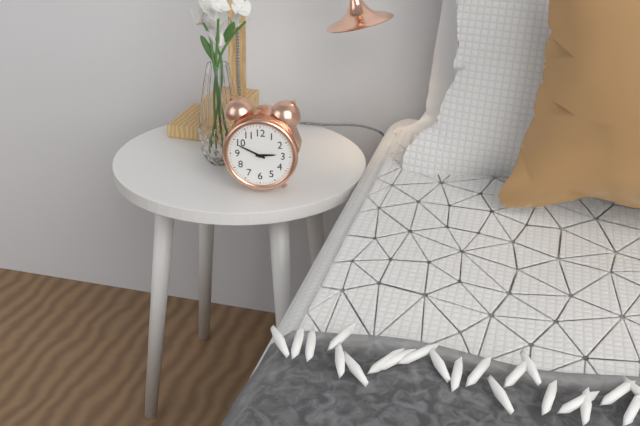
2.49
